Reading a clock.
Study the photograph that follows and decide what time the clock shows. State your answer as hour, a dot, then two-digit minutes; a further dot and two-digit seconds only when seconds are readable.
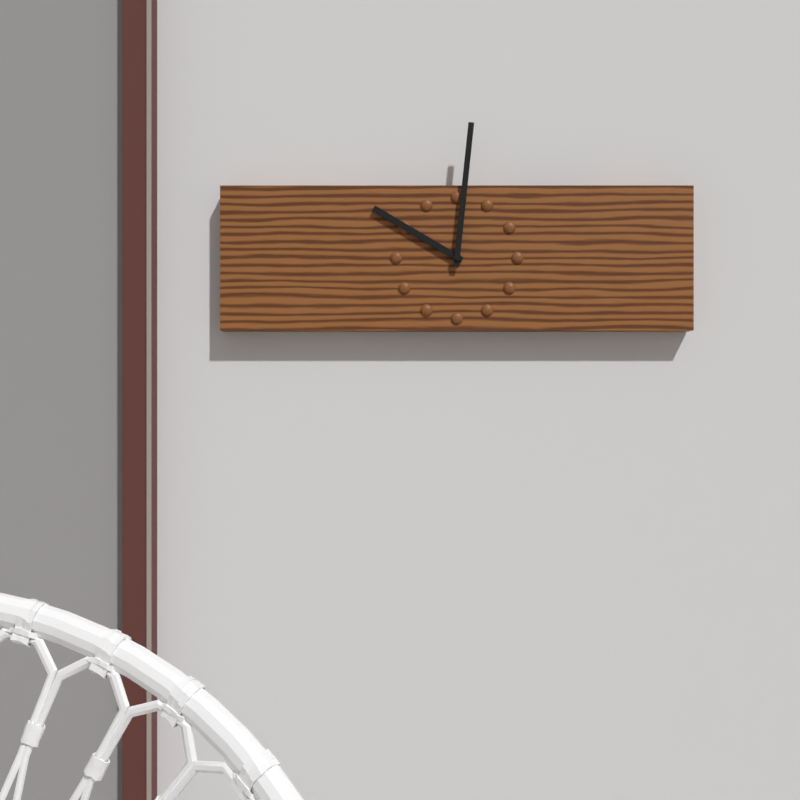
10.01
